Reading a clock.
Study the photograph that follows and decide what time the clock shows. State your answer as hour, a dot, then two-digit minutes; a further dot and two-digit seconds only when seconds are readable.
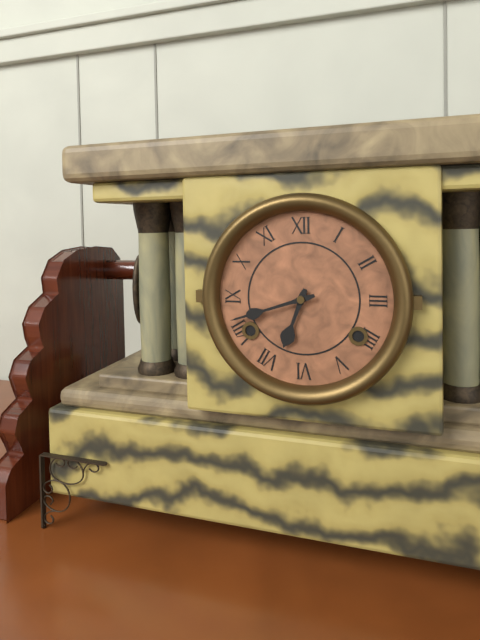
6.42
